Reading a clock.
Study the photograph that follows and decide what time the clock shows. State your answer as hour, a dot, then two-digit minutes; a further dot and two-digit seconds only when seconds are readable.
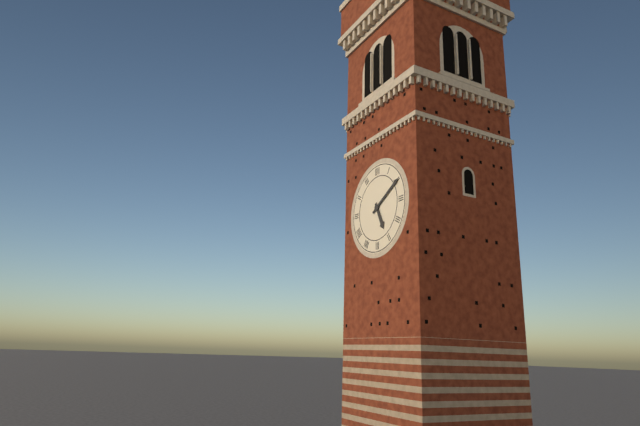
5.10
